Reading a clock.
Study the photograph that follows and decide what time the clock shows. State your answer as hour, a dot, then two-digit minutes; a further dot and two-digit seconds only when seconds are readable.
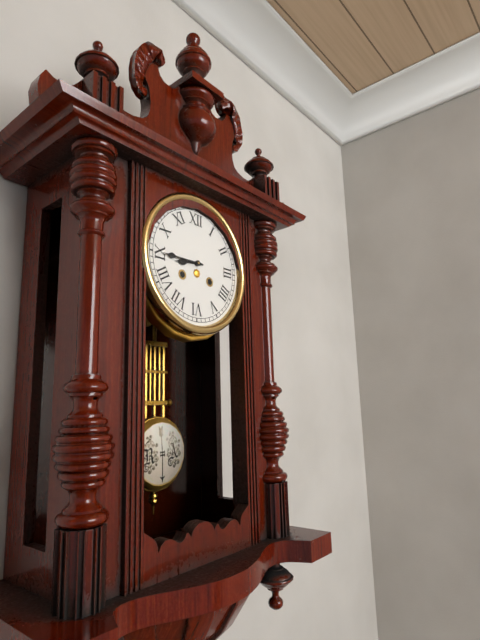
8.45
